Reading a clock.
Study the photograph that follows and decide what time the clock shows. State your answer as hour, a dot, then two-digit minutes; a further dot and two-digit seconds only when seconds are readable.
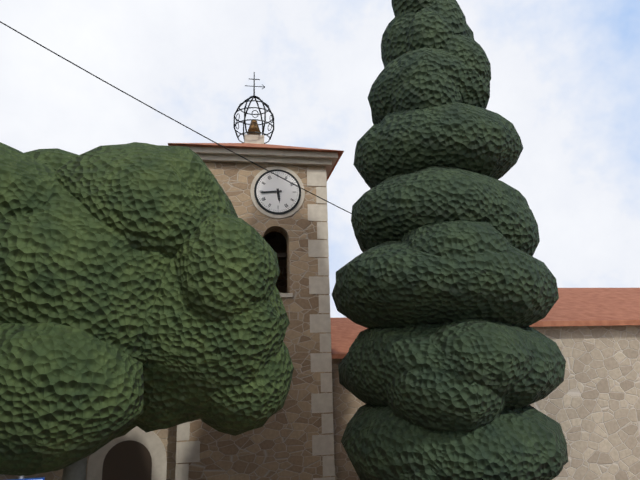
5.44
